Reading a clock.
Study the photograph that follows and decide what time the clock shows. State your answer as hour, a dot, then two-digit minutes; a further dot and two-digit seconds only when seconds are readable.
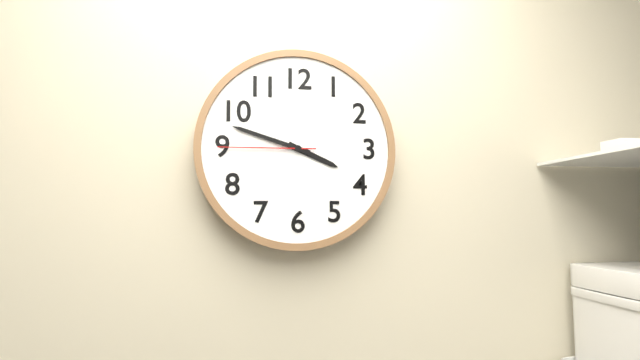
3.48.45
